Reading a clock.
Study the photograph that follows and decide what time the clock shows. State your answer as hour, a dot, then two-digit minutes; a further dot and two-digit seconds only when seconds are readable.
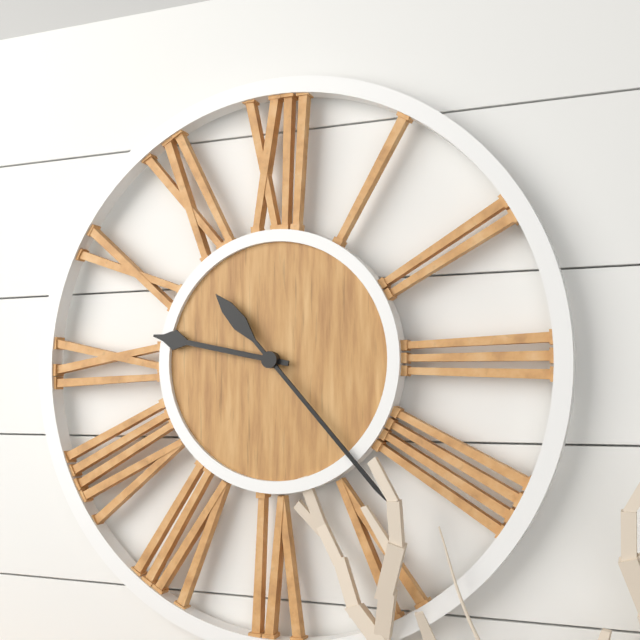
9.23
